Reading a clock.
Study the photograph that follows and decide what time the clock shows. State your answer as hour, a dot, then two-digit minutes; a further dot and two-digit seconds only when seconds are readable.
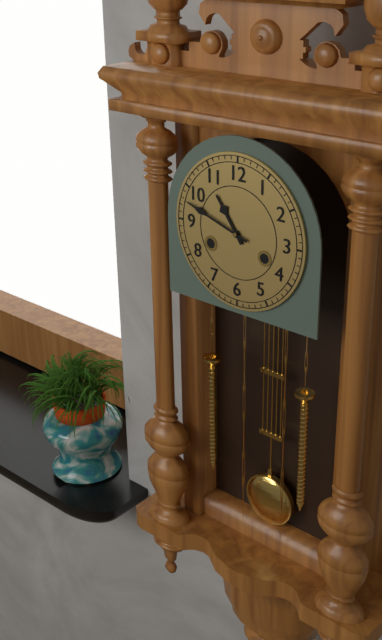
10.48
